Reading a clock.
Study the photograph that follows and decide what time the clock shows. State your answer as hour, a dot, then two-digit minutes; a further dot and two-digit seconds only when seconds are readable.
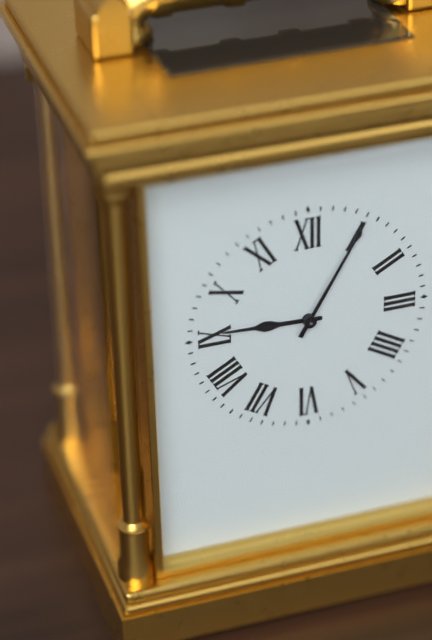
9.05
